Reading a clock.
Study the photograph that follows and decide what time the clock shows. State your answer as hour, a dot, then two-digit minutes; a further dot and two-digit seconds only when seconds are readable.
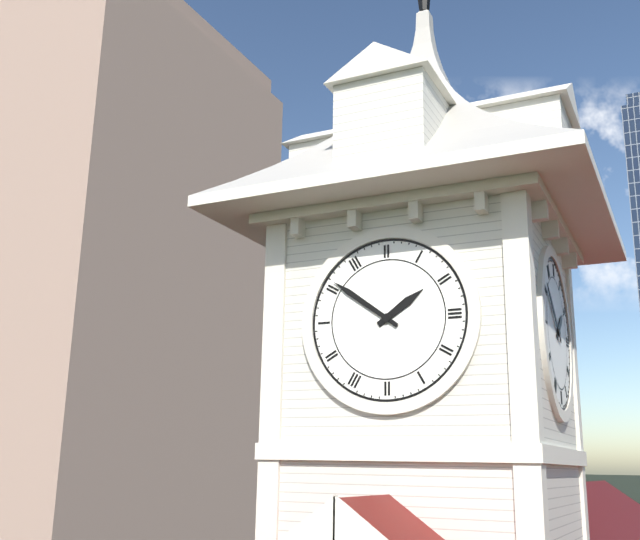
1.51
